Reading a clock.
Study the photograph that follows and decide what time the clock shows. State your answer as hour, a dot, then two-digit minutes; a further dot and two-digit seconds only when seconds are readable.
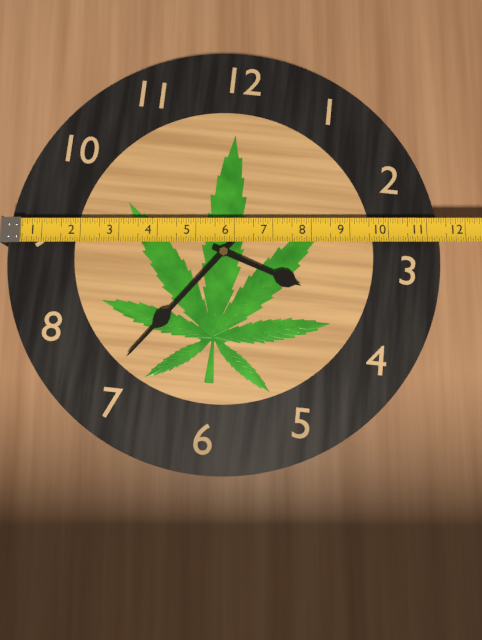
3.36
